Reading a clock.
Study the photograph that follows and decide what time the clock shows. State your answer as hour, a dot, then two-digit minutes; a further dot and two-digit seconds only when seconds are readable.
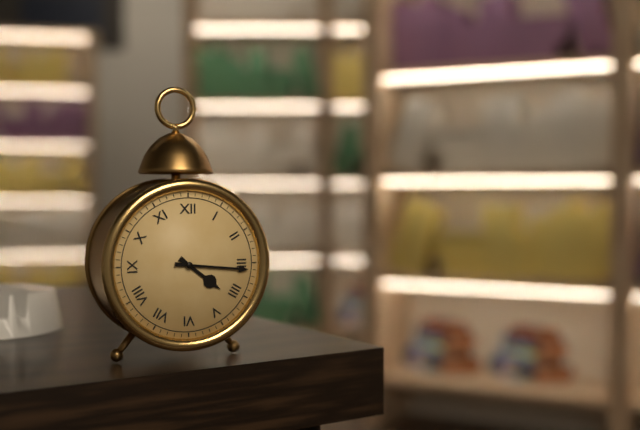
4.16
